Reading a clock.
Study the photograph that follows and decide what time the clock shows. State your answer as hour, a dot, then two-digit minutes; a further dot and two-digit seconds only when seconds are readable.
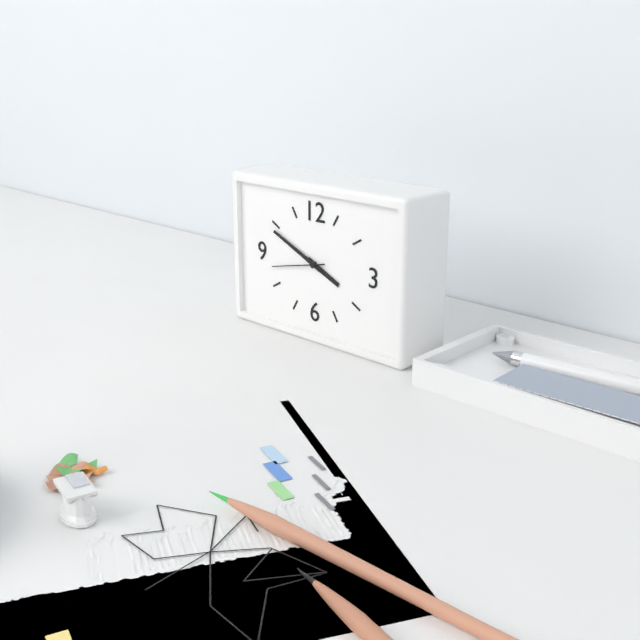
3.49.43
